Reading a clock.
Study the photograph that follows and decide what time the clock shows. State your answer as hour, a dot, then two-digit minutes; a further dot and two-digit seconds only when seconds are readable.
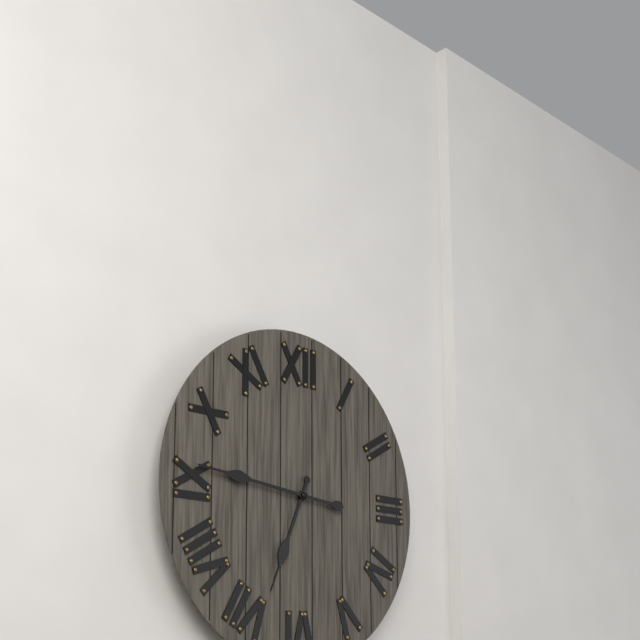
6.46
